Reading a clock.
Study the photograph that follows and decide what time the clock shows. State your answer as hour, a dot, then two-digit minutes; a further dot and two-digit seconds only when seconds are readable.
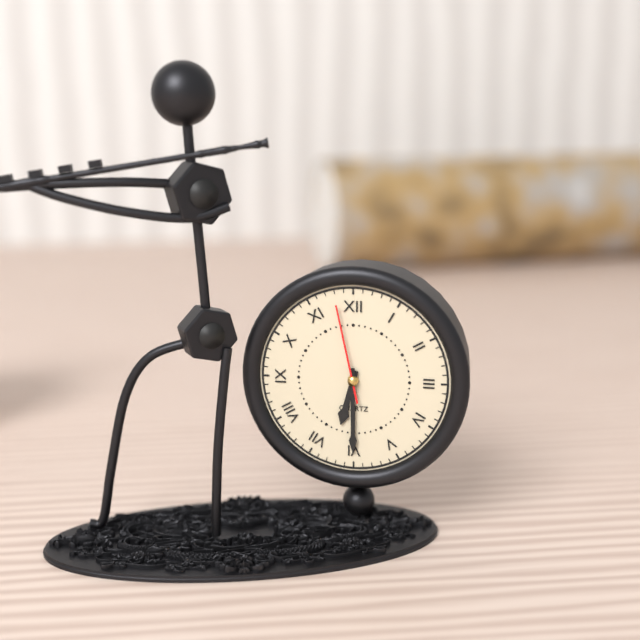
6.30.58
